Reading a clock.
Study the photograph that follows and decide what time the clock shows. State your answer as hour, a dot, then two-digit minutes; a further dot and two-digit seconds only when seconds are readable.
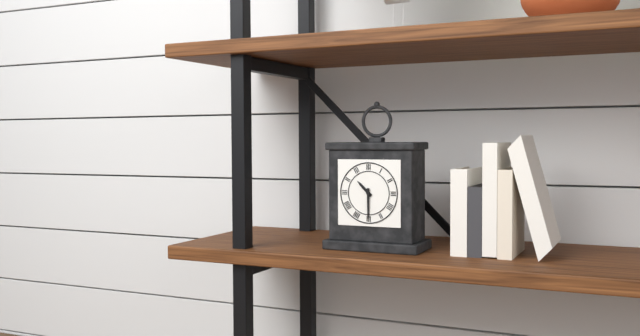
10.30
